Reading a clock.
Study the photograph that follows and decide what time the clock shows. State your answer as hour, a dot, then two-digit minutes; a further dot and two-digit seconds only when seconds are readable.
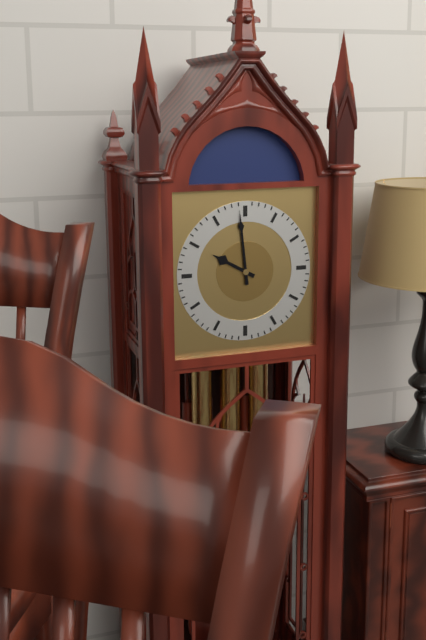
9.59
